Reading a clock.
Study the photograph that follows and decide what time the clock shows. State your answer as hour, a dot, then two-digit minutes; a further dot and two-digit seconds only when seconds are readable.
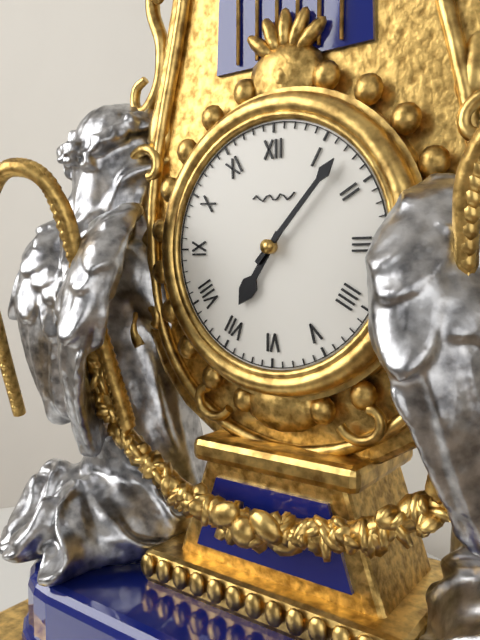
7.07
